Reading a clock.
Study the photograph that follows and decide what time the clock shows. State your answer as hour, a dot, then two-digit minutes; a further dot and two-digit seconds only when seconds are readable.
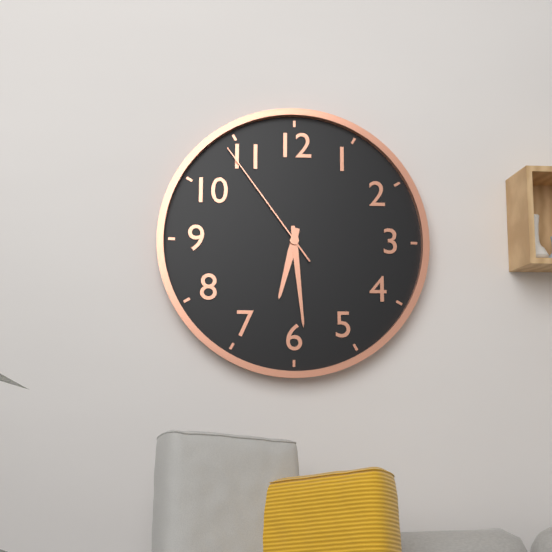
6.29.54
